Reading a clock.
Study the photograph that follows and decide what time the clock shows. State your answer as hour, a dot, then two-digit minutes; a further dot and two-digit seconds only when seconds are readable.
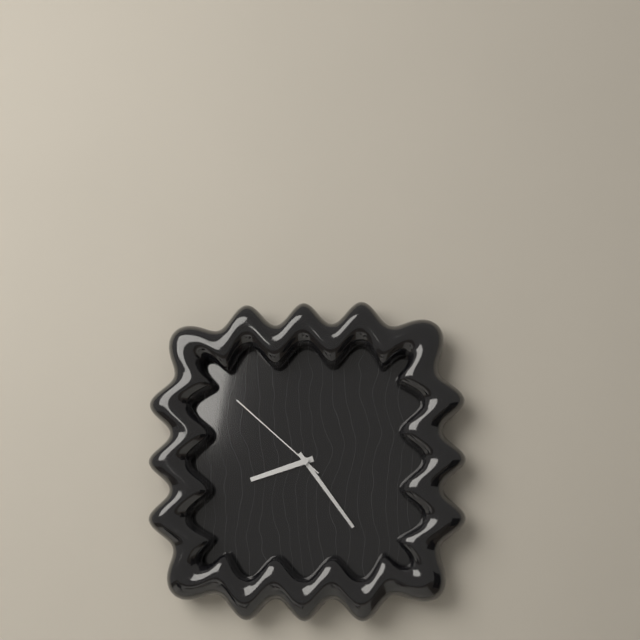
8.24.52
